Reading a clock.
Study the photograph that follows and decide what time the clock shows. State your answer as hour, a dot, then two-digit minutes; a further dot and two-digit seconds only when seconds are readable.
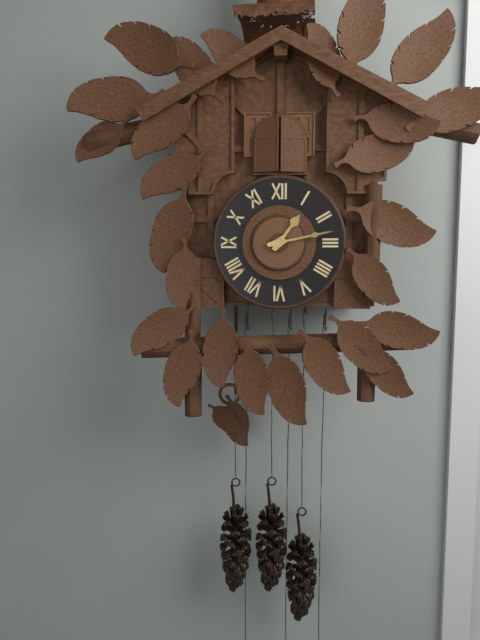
1.13
